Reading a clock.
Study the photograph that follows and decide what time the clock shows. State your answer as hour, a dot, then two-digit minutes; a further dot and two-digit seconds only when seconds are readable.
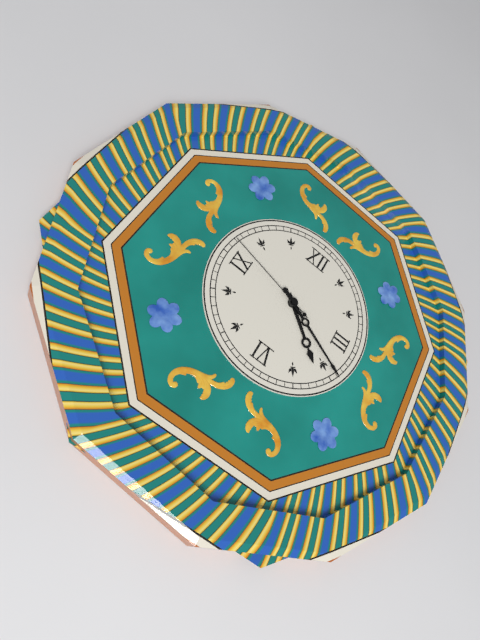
4.19.47
